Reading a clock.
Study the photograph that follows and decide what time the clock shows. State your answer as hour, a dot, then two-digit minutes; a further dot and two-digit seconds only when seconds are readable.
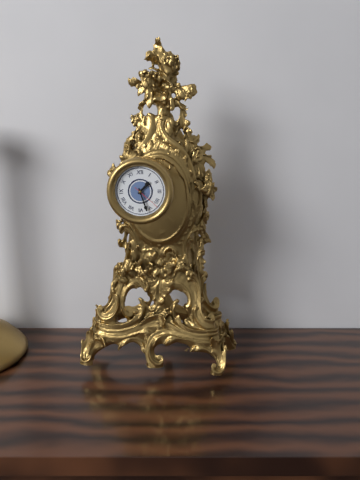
1.27
